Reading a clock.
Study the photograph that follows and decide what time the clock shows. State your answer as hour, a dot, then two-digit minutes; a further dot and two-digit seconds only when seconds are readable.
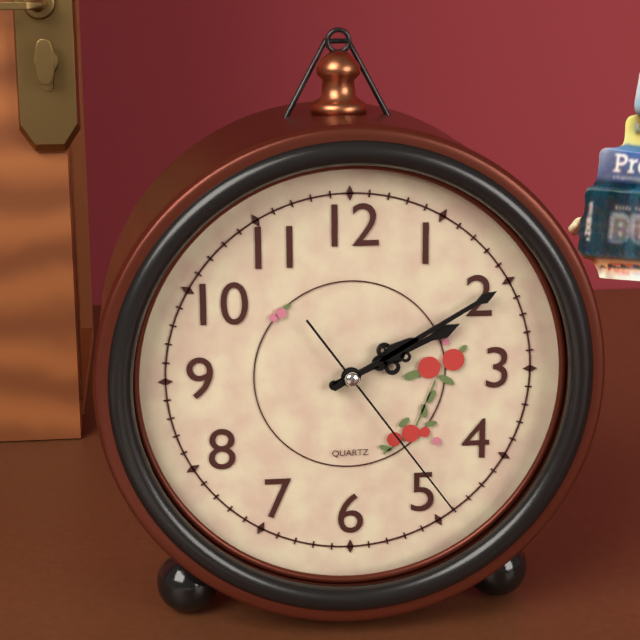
2.10.24
